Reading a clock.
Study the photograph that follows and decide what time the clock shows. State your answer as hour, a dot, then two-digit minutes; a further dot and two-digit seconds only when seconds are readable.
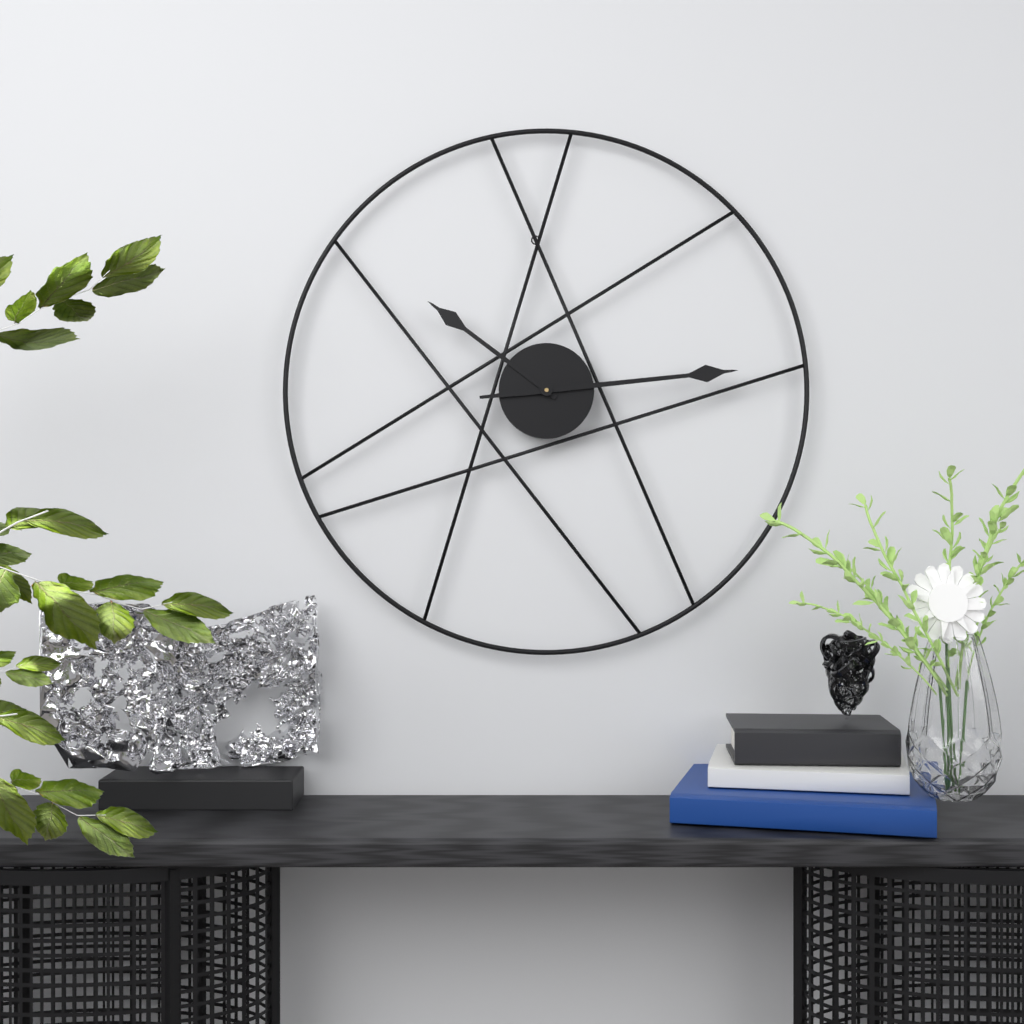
10.14
